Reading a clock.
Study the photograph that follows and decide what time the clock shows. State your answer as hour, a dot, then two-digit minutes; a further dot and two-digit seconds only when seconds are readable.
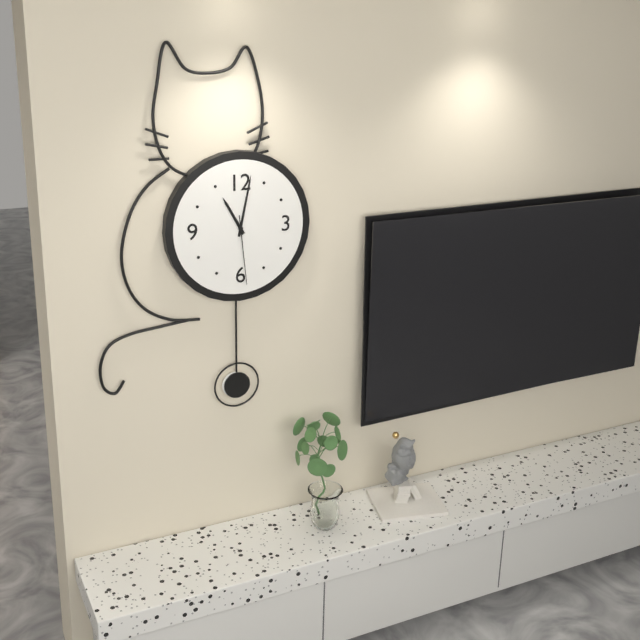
11.02.29
